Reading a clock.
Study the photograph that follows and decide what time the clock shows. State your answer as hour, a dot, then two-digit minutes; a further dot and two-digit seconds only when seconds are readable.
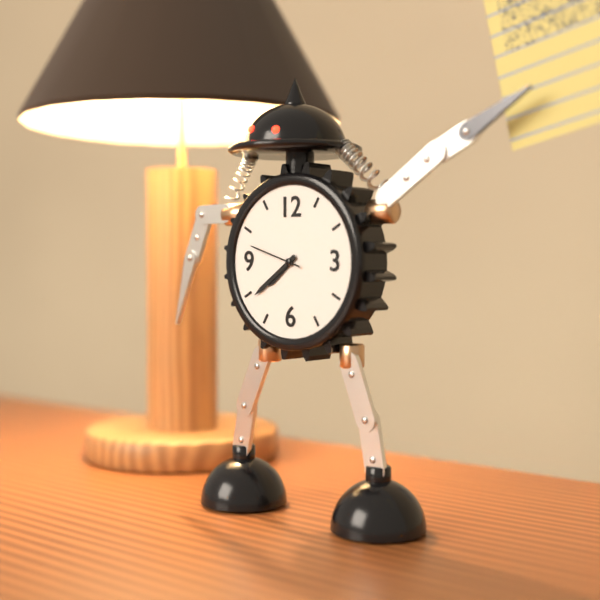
7.39.48
